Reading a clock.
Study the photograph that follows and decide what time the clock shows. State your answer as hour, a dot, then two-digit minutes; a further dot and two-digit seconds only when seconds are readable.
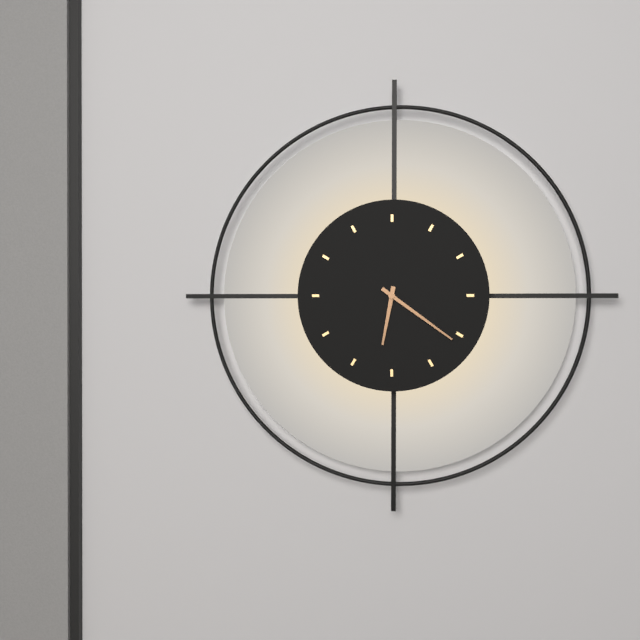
6.21
